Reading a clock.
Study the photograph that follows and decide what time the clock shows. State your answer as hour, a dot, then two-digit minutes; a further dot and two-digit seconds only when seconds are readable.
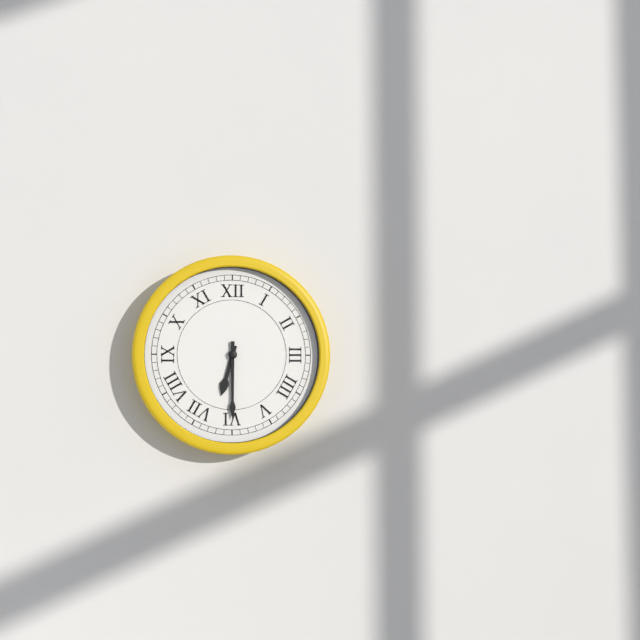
6.30
